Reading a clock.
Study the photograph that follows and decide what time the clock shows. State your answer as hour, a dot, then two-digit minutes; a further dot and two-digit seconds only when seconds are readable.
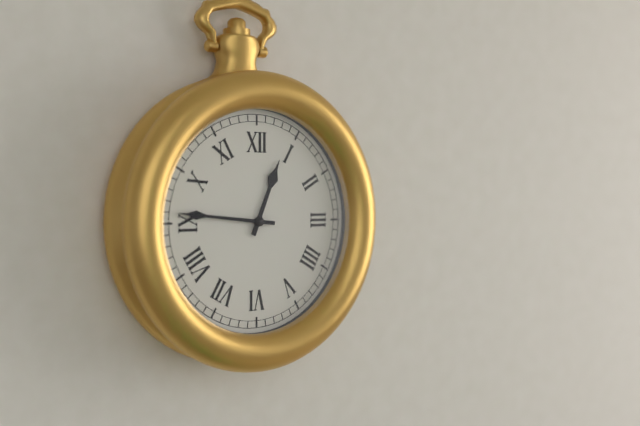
12.46
